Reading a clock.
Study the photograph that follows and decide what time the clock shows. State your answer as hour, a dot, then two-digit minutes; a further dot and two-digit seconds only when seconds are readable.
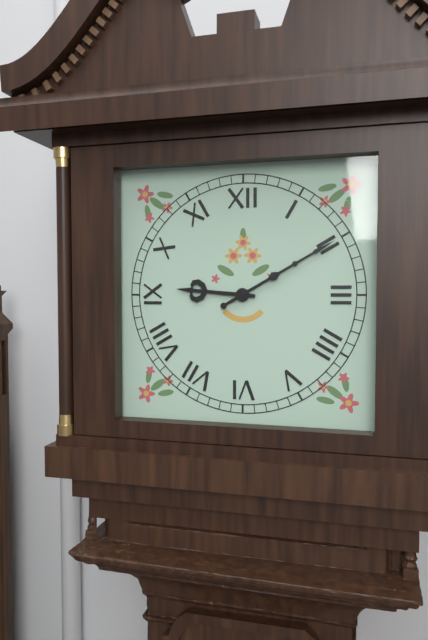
9.10
